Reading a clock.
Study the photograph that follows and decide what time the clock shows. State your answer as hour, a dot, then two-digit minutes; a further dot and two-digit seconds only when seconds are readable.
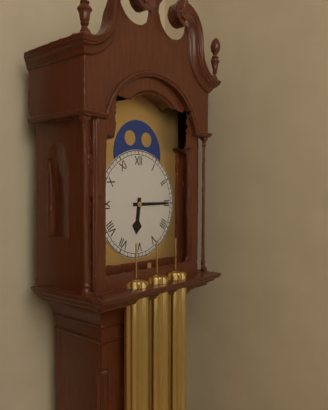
6.15
